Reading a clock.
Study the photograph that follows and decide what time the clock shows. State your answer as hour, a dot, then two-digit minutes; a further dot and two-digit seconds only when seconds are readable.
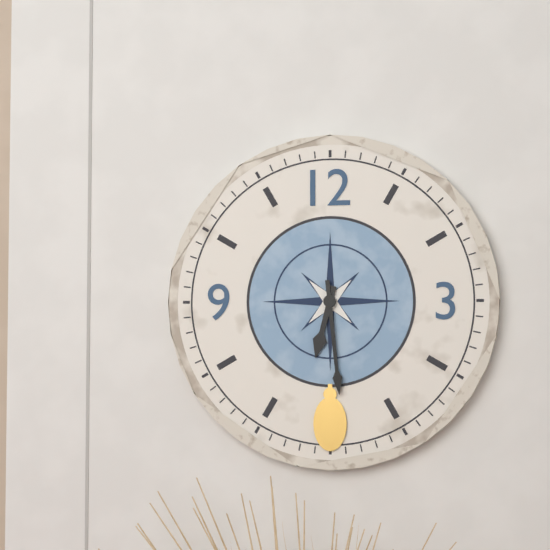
6.29
